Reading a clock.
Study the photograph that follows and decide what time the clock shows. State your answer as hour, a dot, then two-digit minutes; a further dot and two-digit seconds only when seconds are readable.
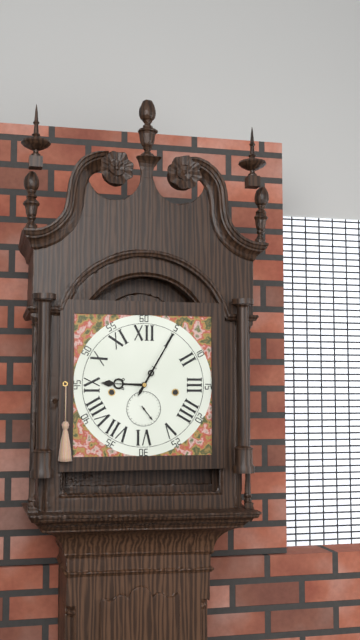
9.05
